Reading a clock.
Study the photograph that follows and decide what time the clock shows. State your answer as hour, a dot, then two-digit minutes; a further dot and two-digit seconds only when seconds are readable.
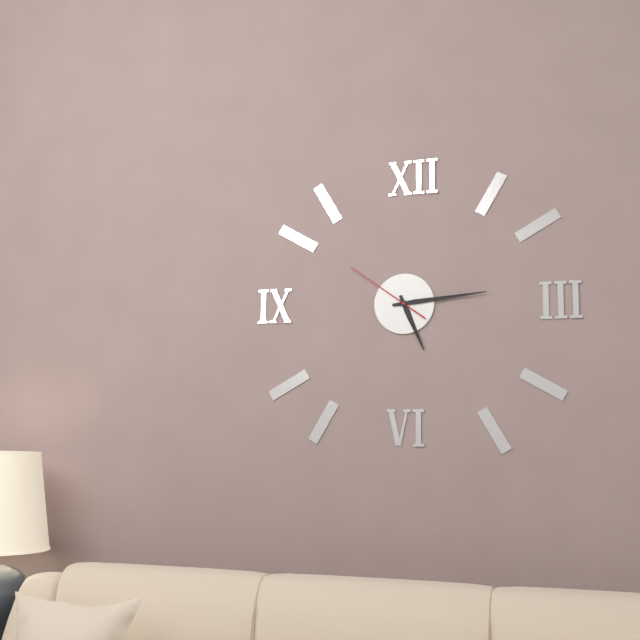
5.14.51
